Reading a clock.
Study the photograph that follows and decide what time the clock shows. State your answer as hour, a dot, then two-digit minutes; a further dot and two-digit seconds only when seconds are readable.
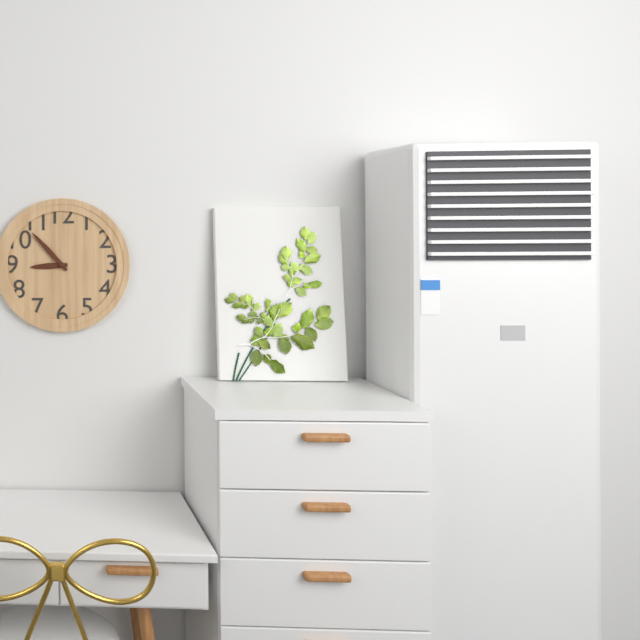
8.53
